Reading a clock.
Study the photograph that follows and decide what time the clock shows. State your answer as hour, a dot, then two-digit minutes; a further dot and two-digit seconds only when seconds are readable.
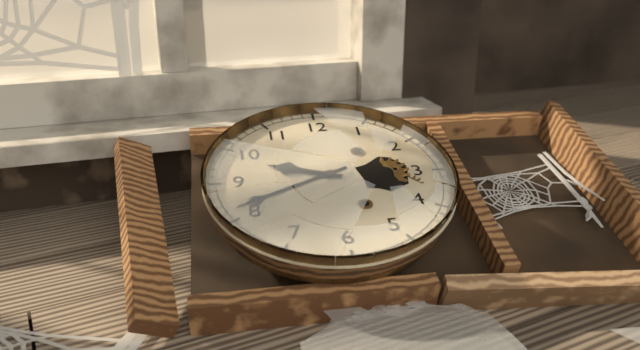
9.41
